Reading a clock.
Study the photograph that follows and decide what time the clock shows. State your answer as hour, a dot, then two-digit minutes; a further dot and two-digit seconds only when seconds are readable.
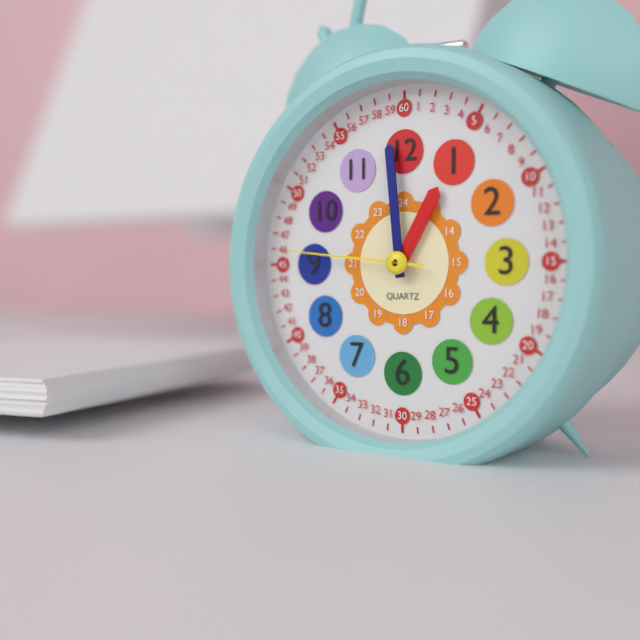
12.59.46
